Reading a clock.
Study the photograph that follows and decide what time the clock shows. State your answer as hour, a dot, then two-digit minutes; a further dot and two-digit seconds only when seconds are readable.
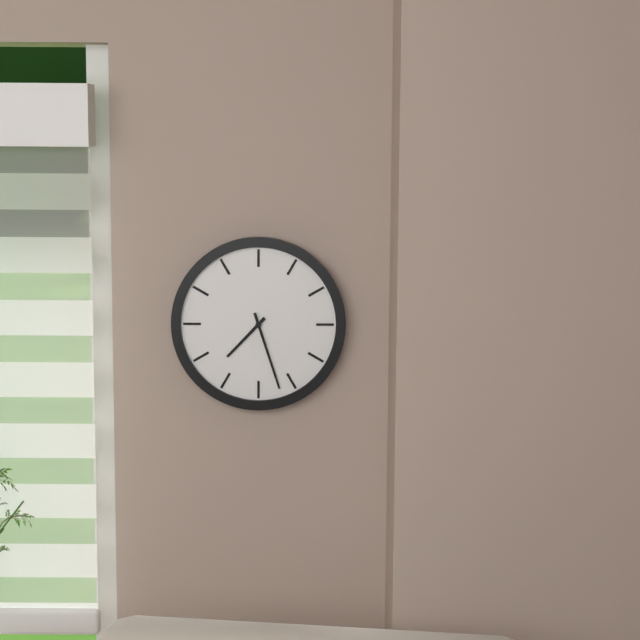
7.27
